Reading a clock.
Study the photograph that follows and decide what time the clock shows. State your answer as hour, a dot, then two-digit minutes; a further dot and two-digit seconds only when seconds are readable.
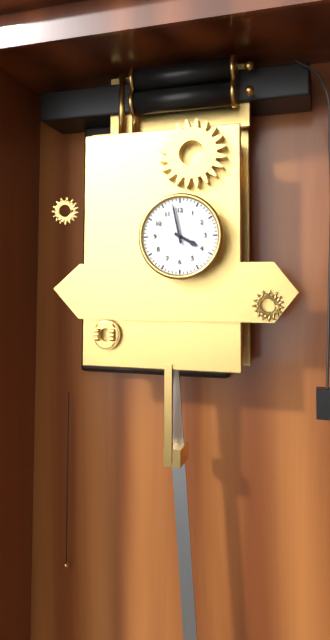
3.58
